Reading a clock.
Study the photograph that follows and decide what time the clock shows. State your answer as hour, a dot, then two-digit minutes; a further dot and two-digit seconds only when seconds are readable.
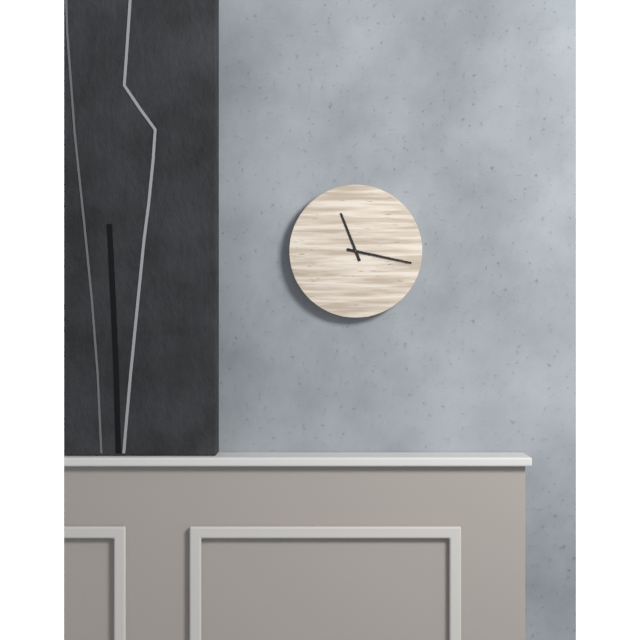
11.17
